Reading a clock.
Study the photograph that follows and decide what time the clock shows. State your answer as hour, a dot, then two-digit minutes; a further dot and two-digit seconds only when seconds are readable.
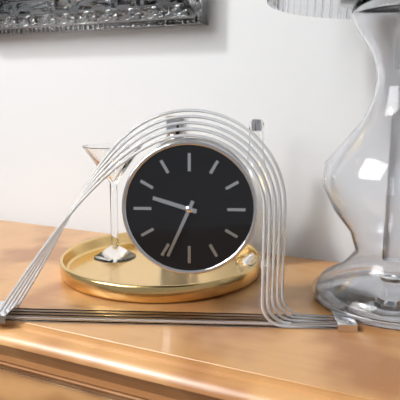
9.34
